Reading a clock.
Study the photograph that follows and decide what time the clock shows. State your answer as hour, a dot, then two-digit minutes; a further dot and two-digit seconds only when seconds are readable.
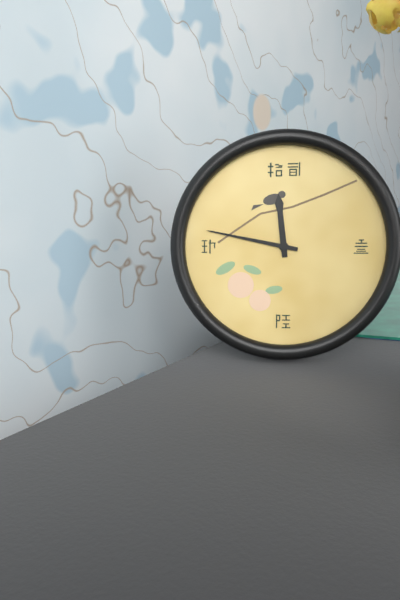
11.47
